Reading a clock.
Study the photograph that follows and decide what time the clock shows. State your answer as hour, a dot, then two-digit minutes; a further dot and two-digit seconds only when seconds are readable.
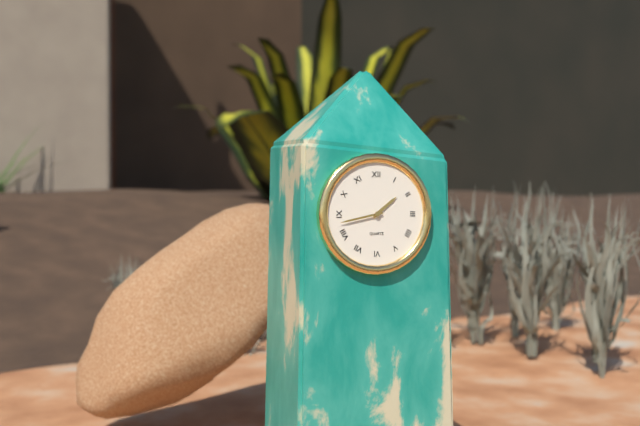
1.43
